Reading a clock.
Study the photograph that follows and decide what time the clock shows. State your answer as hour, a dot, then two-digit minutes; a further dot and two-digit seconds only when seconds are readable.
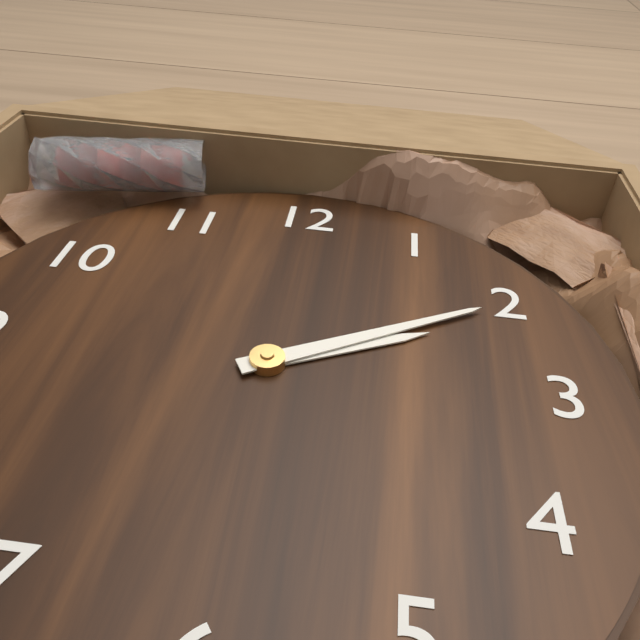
2.10
